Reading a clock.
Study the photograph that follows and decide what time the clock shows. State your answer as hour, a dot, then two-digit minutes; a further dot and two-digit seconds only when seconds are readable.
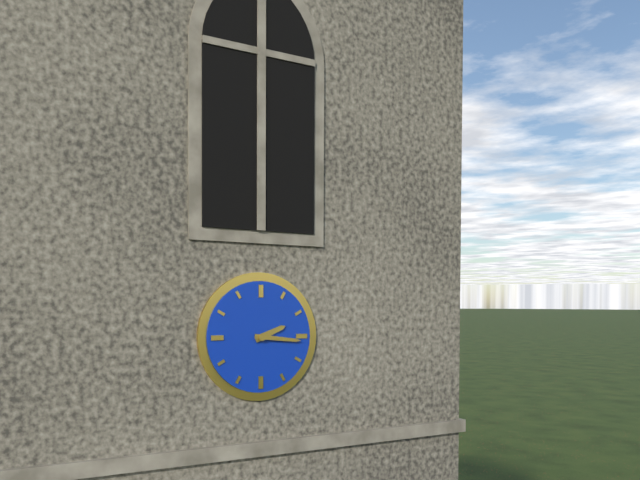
2.16
